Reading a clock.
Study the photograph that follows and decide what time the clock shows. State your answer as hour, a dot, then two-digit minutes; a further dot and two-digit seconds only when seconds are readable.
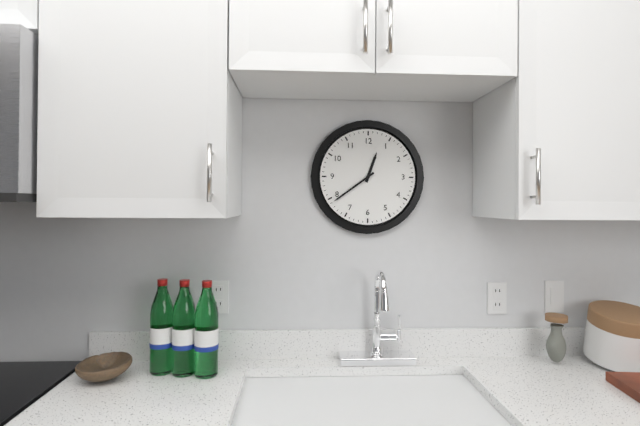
12.39
